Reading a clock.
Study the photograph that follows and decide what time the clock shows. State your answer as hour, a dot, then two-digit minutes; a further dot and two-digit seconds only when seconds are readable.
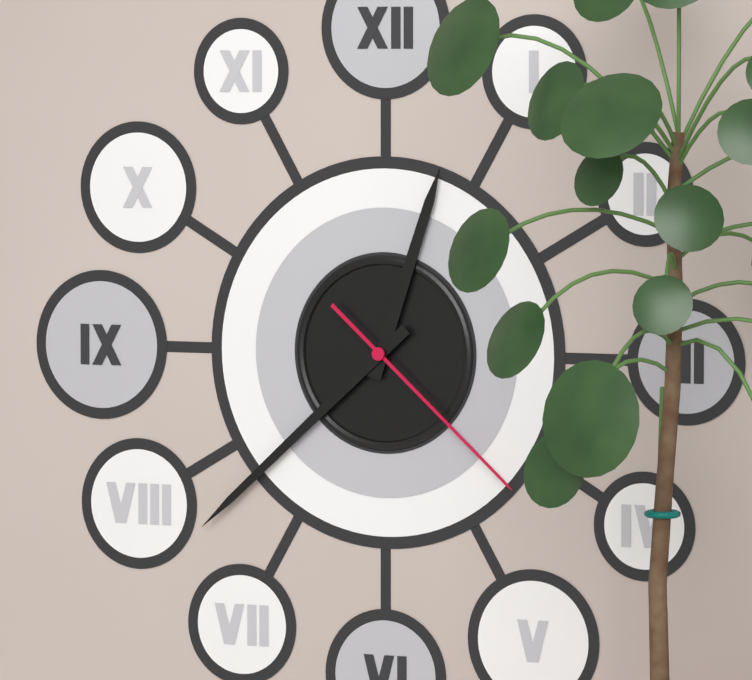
12.38.22
